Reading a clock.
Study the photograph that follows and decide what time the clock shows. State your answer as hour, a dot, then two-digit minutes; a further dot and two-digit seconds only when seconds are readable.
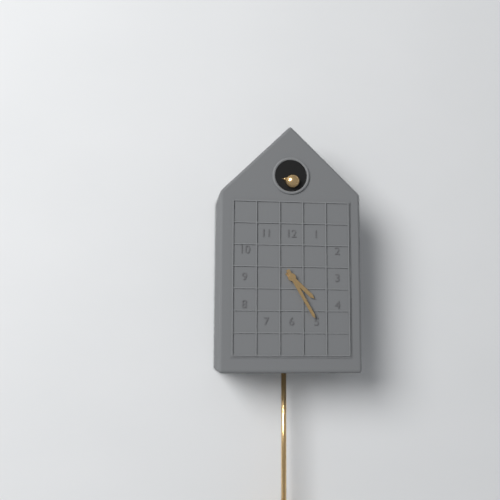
4.25
